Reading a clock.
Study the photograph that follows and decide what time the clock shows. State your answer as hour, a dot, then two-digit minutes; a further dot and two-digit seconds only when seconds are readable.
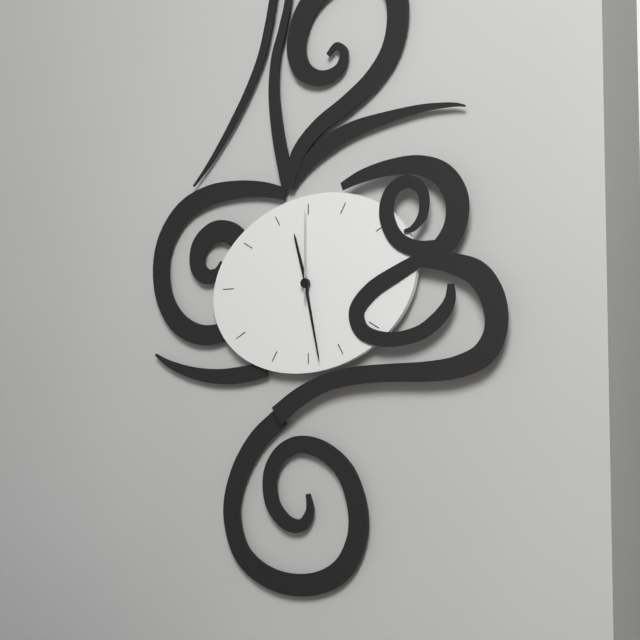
11.28.00
